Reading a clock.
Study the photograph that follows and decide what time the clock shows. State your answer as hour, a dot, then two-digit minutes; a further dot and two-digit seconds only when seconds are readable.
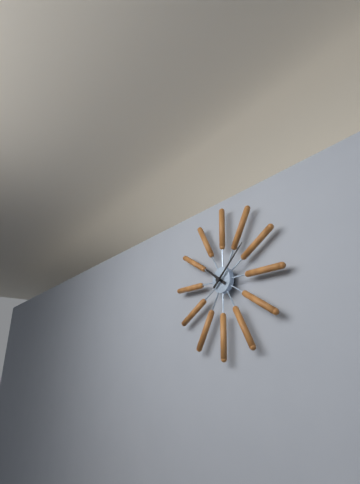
10.08
